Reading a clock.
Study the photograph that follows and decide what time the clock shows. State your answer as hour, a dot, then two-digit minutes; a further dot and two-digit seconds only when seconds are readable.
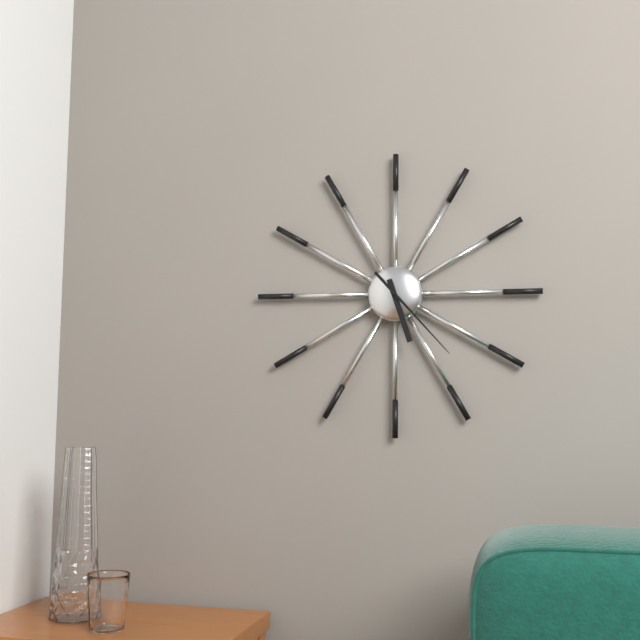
5.23
